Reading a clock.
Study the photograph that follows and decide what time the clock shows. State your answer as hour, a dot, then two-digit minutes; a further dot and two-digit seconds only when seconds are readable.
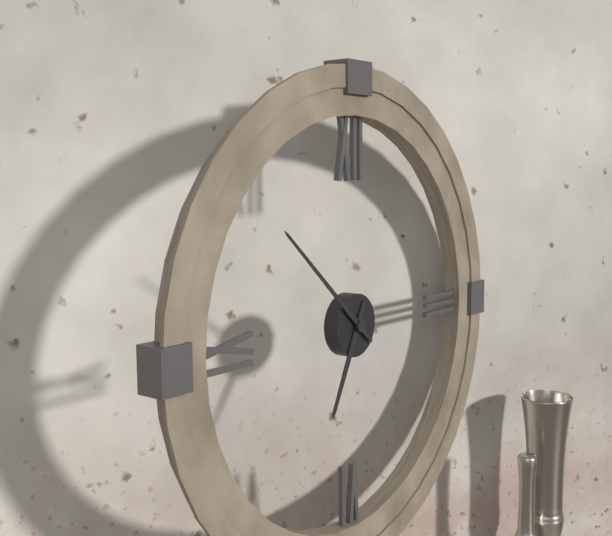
6.52
